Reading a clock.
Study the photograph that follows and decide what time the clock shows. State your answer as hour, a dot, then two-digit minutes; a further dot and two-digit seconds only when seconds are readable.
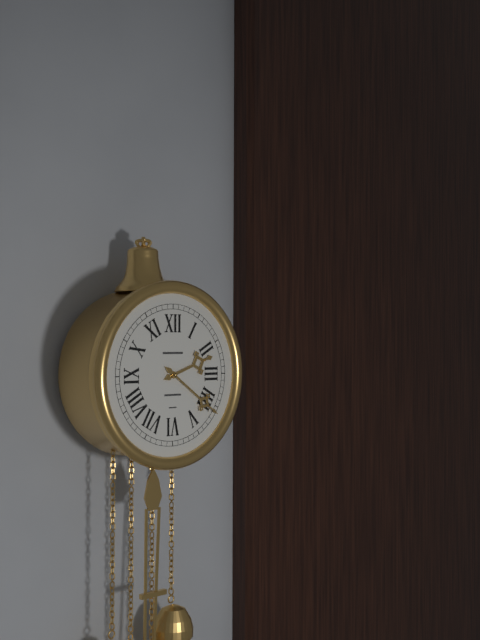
2.21
